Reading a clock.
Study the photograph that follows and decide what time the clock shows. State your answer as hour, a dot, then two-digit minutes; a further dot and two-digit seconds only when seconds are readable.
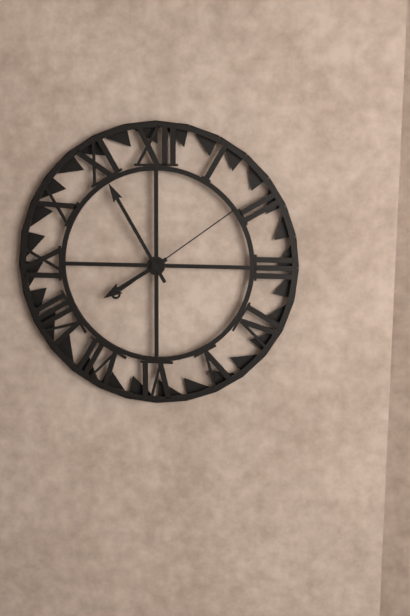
7.55.09
